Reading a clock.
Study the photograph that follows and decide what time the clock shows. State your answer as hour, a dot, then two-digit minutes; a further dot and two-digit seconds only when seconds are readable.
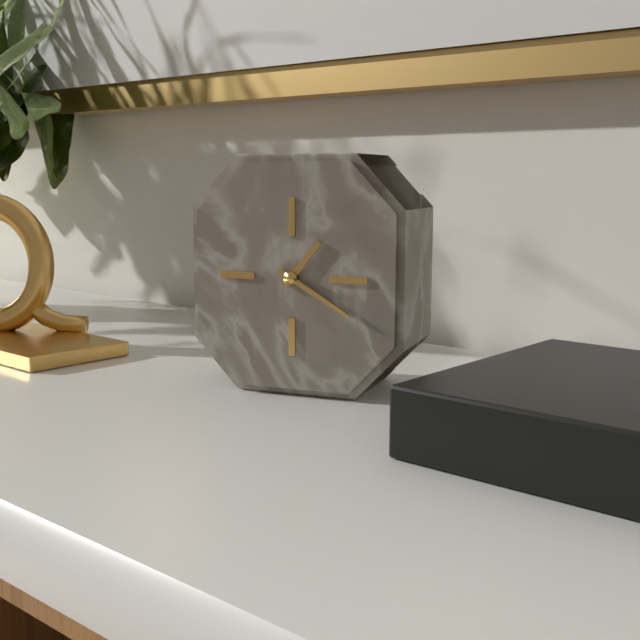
1.20
